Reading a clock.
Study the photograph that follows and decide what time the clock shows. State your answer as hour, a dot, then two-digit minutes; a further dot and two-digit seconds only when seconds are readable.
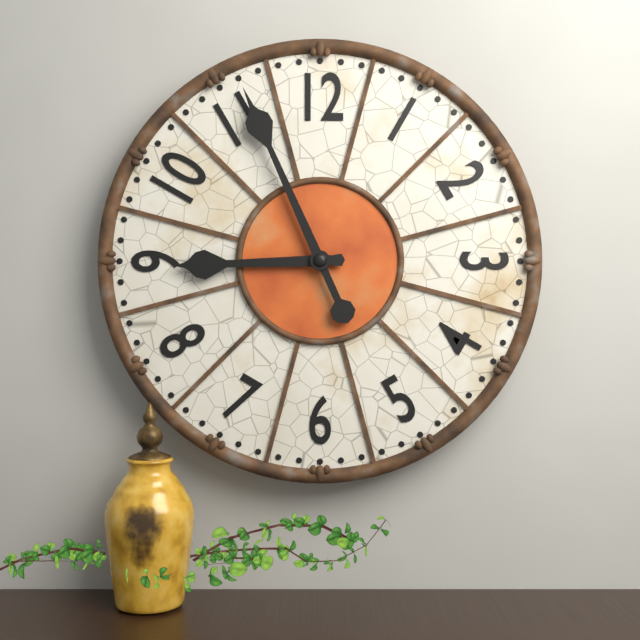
8.56
